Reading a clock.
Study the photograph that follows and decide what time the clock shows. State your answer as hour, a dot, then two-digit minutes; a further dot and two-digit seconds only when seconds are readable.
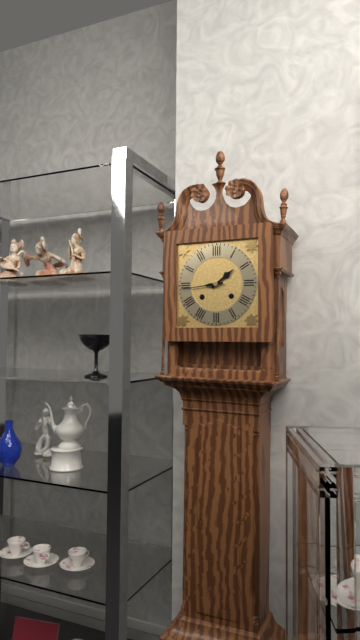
1.44
